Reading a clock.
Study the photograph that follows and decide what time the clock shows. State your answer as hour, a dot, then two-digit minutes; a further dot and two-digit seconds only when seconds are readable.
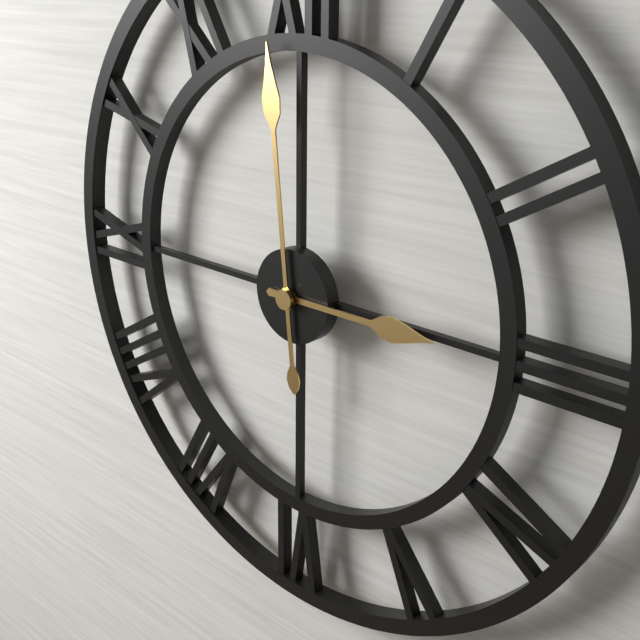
2.59
